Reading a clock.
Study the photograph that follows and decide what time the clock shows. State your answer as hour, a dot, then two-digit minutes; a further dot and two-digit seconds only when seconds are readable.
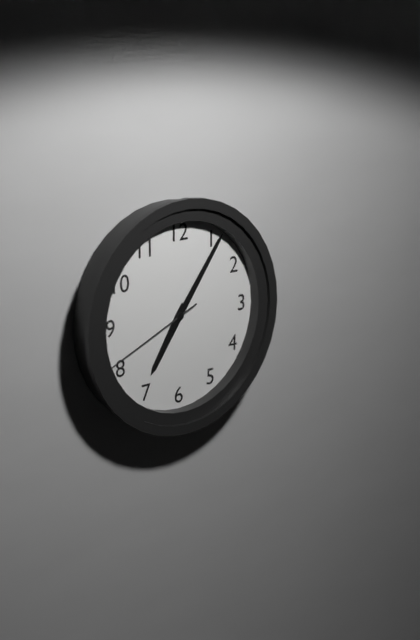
7.06.41
